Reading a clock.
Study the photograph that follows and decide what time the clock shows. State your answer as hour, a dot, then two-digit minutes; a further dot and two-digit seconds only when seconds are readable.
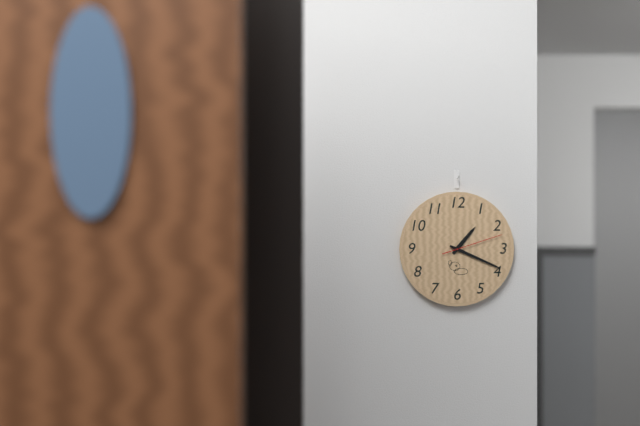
1.19.12
